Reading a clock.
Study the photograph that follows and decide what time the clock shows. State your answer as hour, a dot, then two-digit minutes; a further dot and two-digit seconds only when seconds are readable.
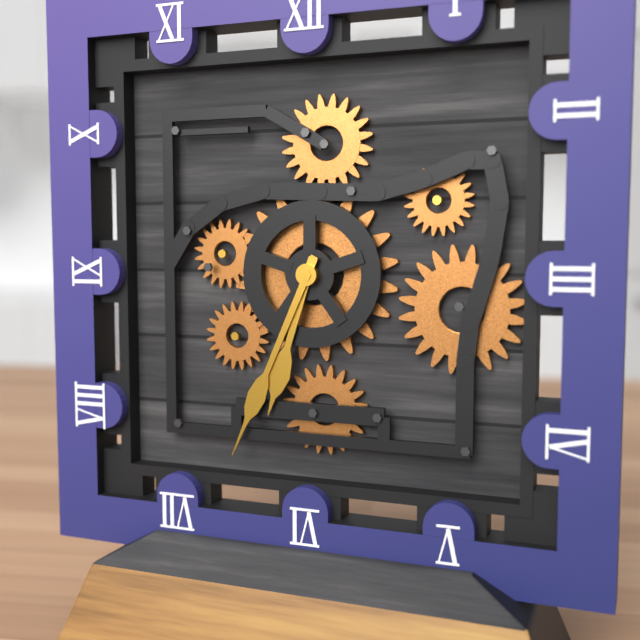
6.34
